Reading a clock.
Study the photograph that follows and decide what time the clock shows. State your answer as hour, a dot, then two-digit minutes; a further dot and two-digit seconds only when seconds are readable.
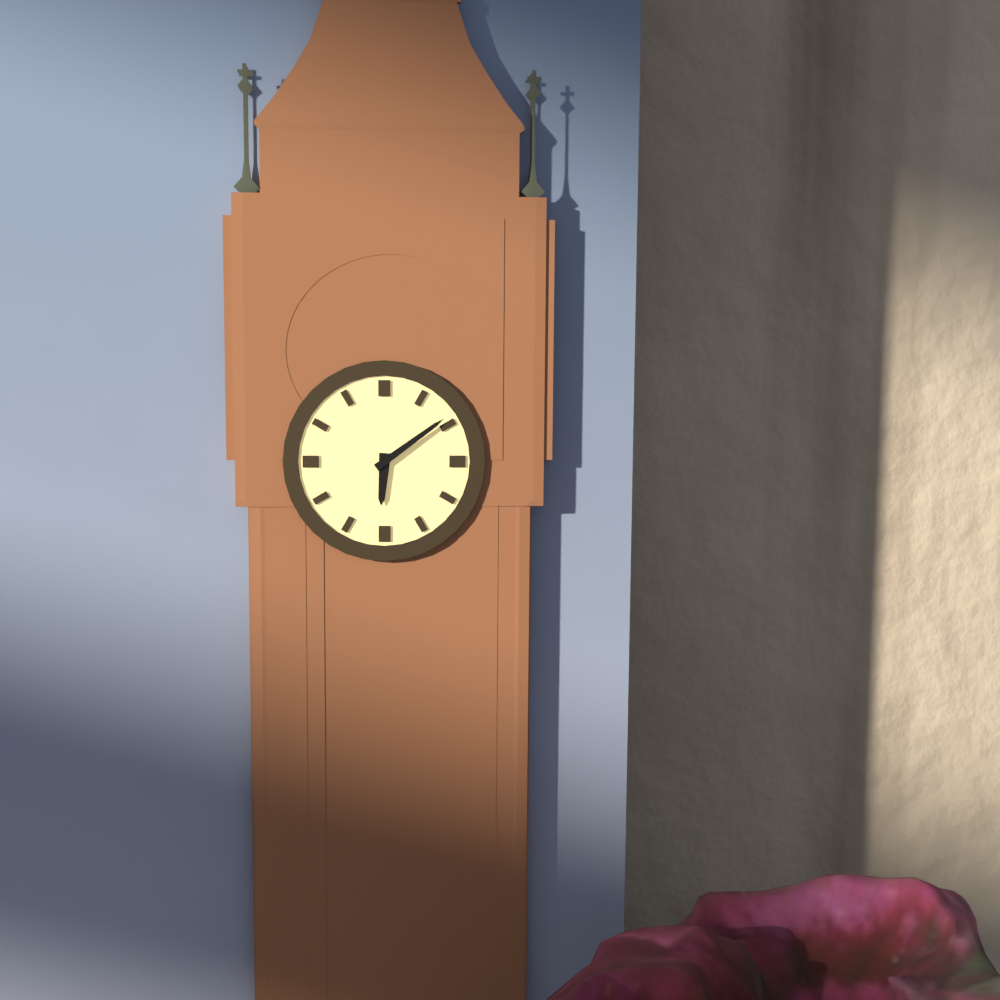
6.09
